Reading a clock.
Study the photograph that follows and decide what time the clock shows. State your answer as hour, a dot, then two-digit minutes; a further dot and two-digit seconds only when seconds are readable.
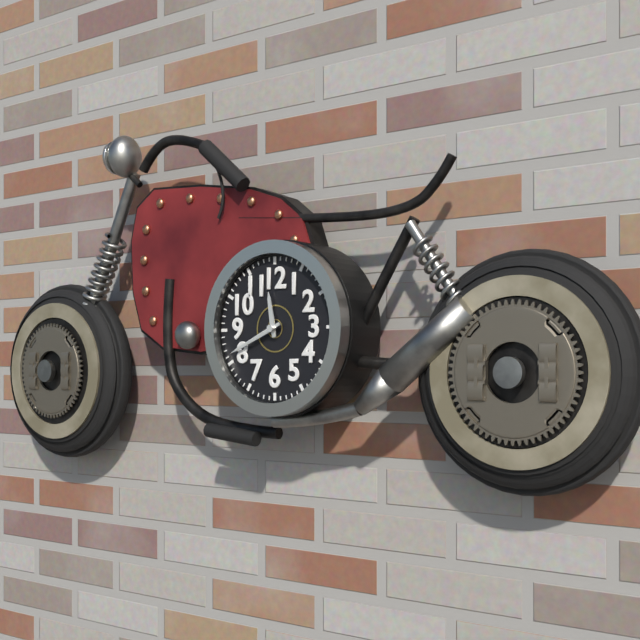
11.41
